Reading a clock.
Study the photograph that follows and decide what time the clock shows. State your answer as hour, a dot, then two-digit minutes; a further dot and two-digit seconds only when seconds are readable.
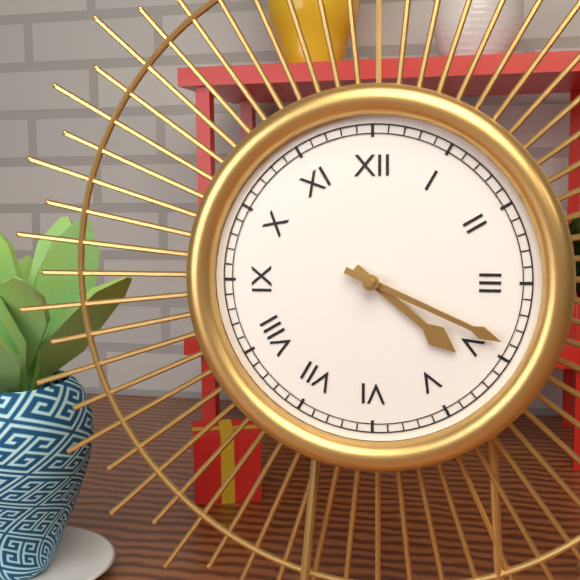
4.19
